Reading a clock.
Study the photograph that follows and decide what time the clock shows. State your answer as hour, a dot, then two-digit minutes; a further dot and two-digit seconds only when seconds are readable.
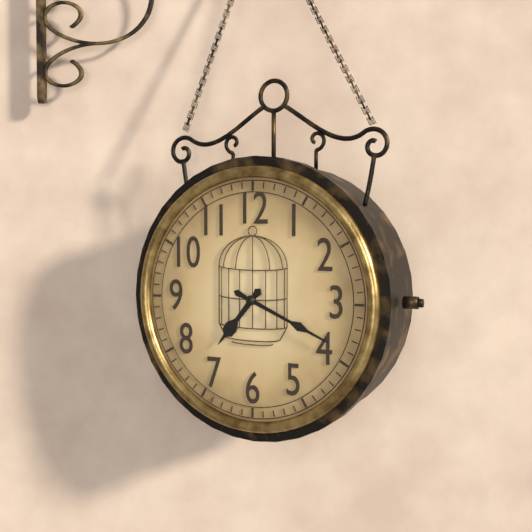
7.19
